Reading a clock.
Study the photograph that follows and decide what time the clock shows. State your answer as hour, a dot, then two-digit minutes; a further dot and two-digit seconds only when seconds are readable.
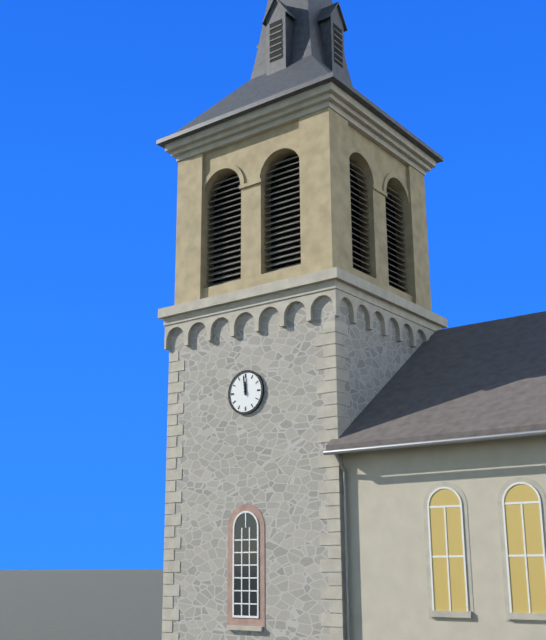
11.59
